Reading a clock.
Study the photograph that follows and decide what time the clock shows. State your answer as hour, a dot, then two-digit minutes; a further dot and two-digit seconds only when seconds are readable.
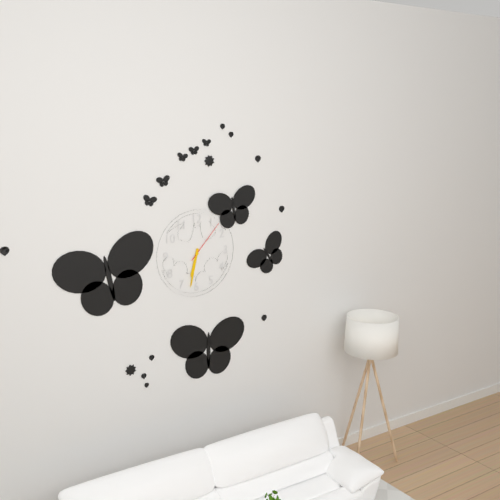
6.32
